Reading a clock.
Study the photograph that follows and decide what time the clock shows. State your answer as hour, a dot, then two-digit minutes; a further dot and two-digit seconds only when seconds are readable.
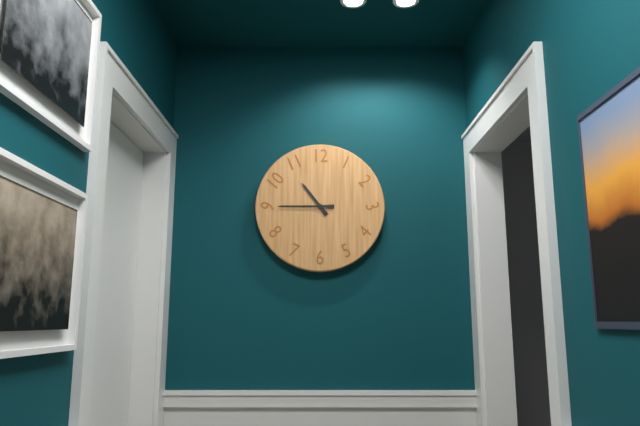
10.45
